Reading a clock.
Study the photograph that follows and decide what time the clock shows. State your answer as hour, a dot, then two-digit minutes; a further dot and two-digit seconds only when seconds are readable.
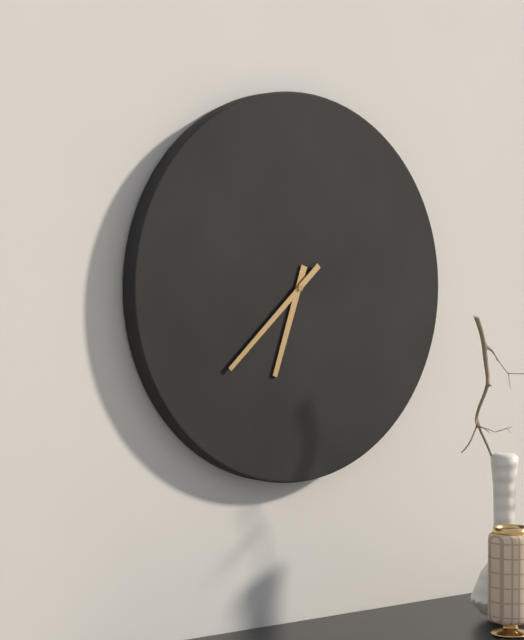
6.38
